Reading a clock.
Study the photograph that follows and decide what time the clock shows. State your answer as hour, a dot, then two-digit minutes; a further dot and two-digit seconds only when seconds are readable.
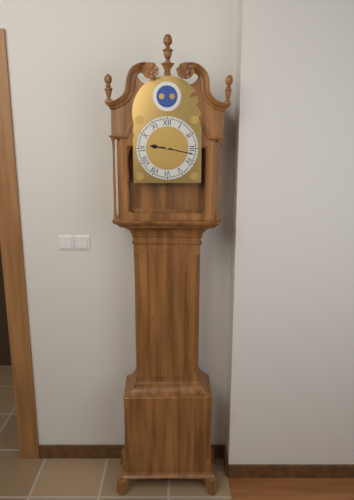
9.17
